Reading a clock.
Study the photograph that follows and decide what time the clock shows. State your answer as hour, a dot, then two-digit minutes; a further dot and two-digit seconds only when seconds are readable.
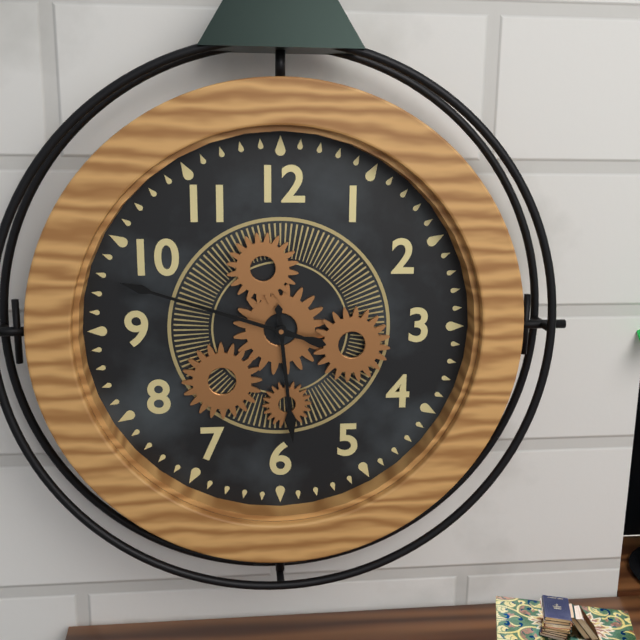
5.48
